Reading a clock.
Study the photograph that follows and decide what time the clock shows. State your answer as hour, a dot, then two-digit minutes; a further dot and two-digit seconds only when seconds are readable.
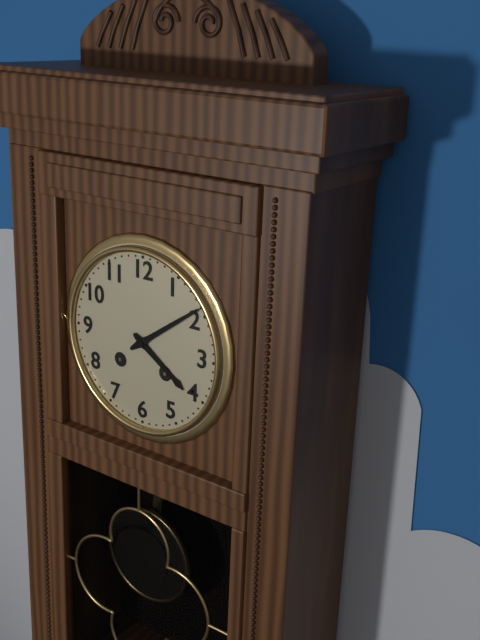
4.09
